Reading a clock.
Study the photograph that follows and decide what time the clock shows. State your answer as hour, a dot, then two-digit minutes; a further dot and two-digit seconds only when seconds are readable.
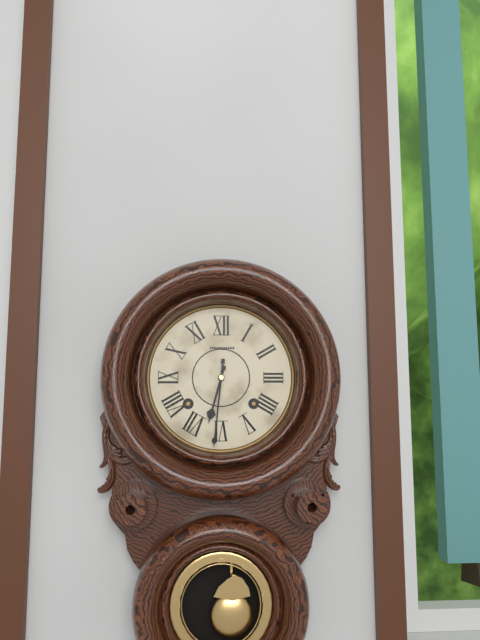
6.31
